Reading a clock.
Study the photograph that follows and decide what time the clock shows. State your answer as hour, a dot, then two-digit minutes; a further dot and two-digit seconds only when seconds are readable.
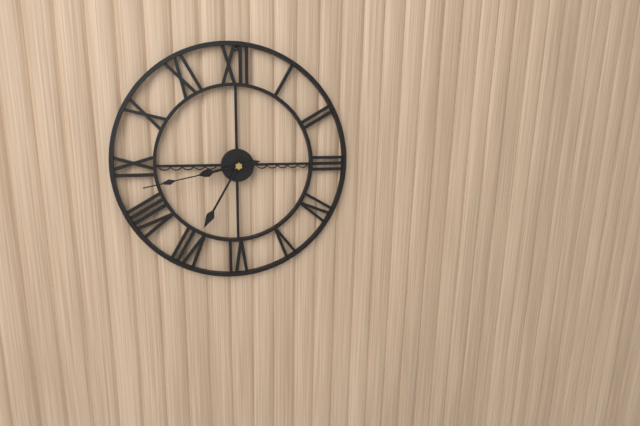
8.35.43
